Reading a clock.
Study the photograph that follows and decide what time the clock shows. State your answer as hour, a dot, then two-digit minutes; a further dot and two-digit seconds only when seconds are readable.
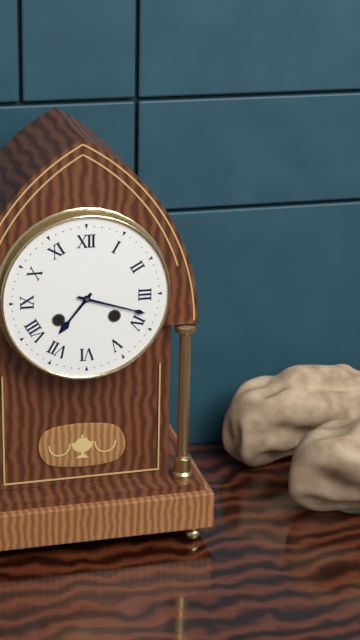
7.18
